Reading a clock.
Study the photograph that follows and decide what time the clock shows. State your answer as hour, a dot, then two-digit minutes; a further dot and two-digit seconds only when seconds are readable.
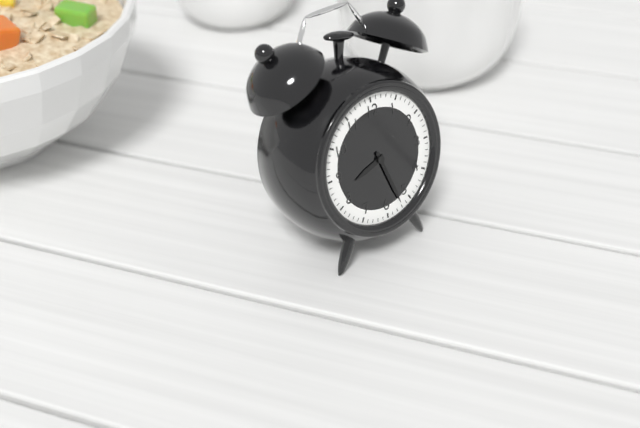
8.27
